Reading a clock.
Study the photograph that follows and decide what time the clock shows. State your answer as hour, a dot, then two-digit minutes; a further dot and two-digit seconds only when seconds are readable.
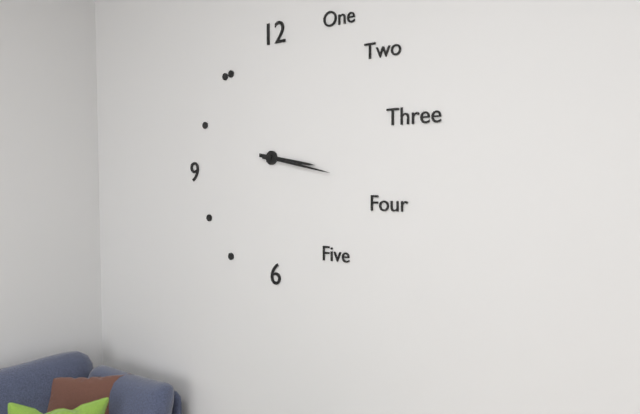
3.17
